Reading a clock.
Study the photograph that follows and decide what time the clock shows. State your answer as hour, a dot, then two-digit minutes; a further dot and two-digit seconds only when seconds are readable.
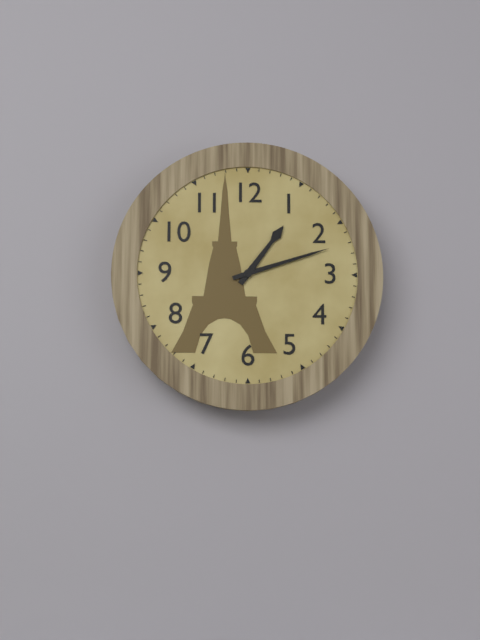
1.12
